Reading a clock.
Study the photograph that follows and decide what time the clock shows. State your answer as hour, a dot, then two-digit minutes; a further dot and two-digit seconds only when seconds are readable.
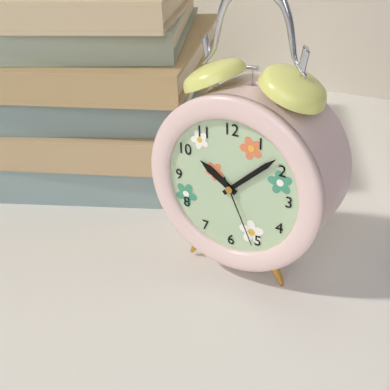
10.08.26
